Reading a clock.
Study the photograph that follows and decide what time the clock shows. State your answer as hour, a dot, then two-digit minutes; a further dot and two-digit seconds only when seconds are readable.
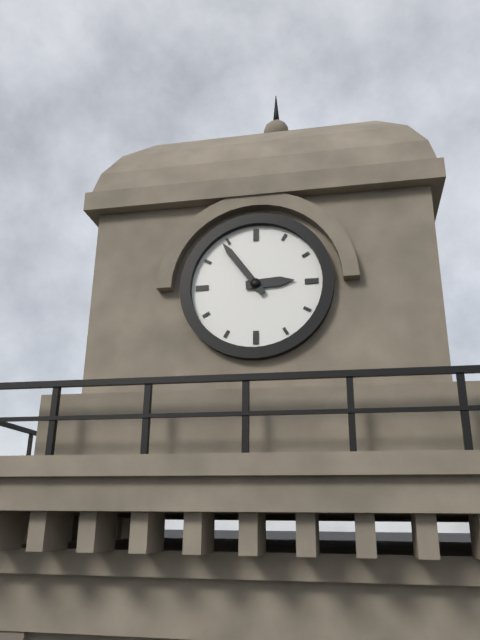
2.54
